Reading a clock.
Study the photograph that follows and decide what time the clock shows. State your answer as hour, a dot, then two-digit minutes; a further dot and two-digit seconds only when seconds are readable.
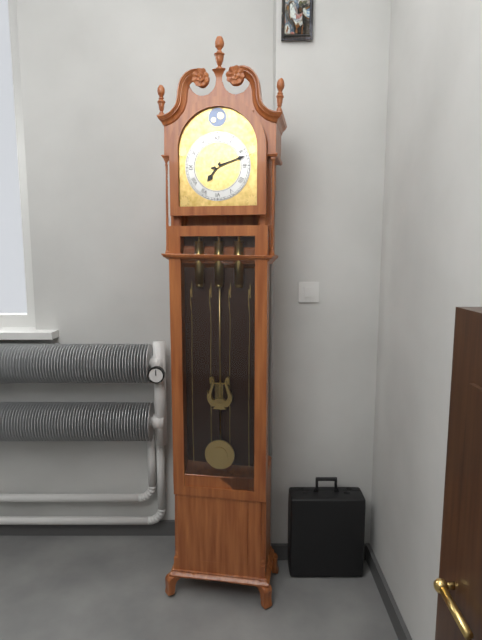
7.12
